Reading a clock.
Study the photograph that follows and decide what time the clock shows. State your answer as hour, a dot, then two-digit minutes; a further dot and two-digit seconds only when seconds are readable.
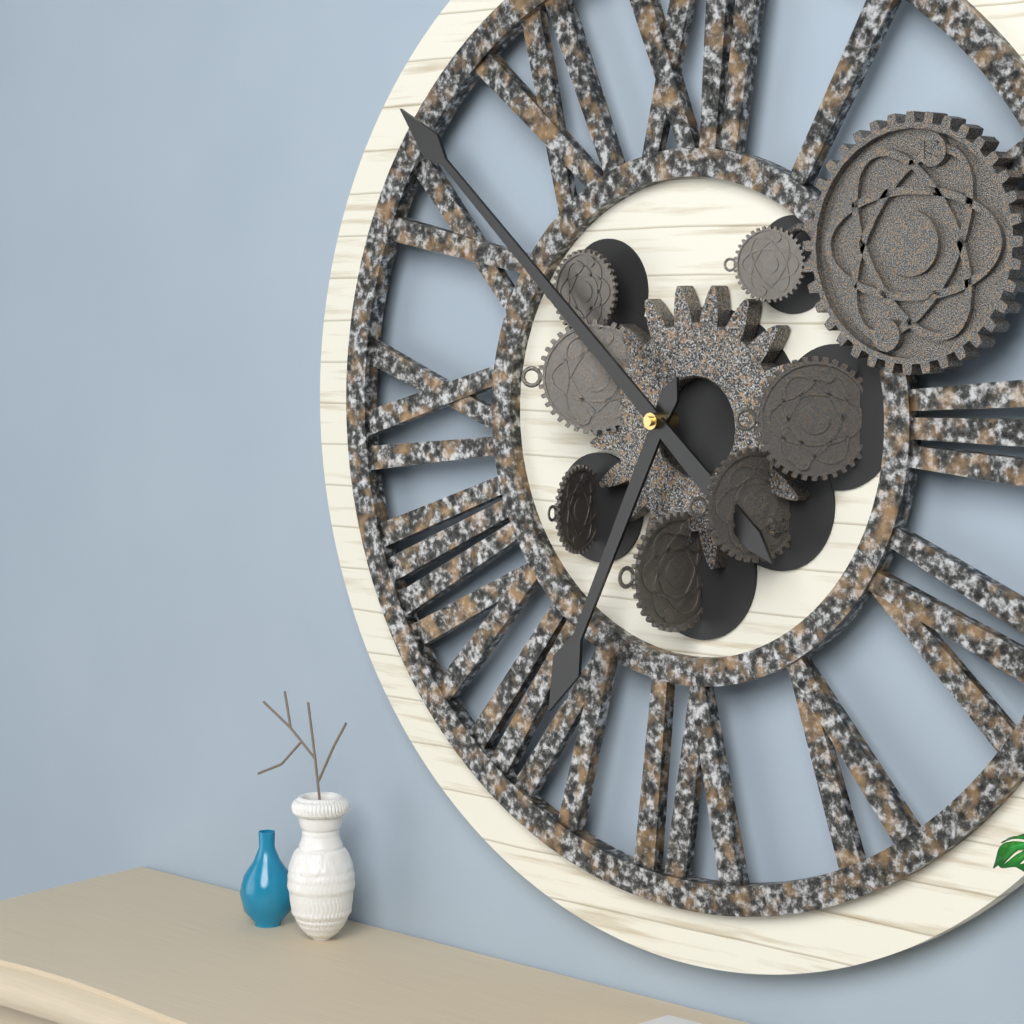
6.52
